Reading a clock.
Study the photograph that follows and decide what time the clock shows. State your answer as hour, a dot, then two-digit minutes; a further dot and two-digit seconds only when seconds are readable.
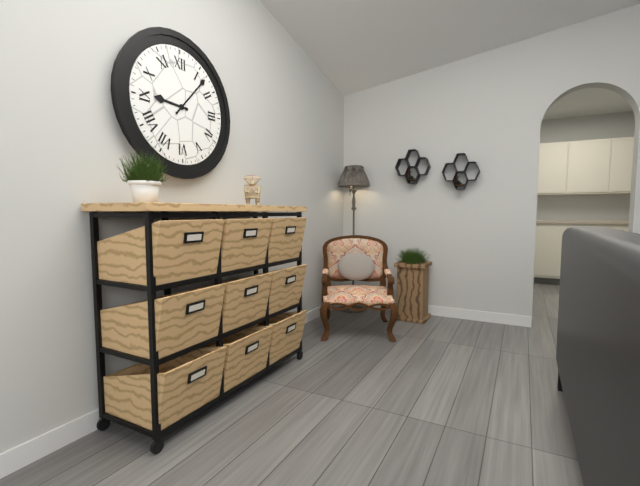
9.07
